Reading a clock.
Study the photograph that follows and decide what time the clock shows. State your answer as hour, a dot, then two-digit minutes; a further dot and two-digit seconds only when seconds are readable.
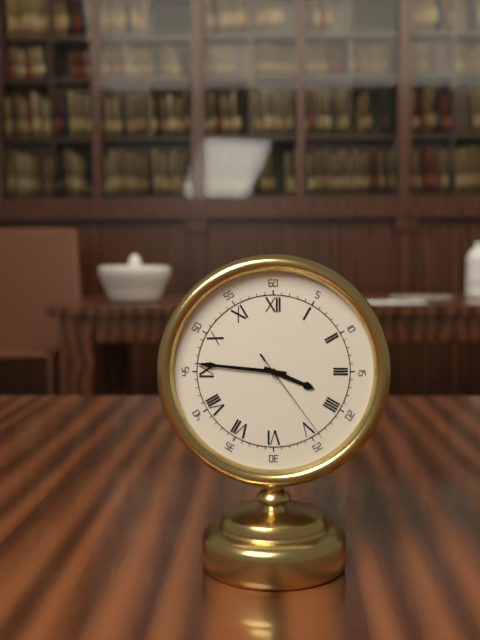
3.46.24
